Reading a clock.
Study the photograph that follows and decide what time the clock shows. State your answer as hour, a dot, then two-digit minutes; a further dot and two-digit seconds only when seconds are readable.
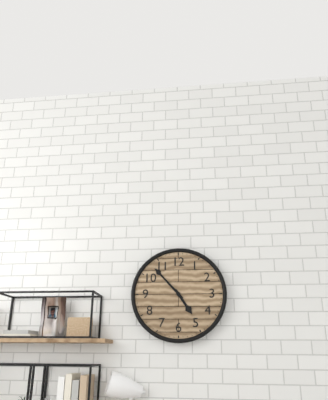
4.53
